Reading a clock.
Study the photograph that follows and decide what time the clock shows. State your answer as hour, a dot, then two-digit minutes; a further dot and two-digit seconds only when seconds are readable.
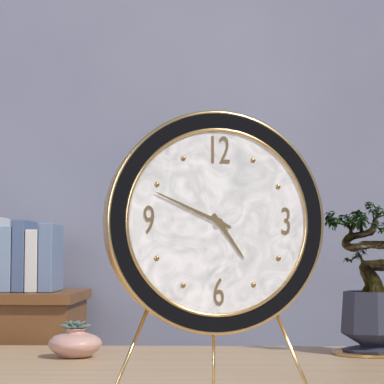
4.49
